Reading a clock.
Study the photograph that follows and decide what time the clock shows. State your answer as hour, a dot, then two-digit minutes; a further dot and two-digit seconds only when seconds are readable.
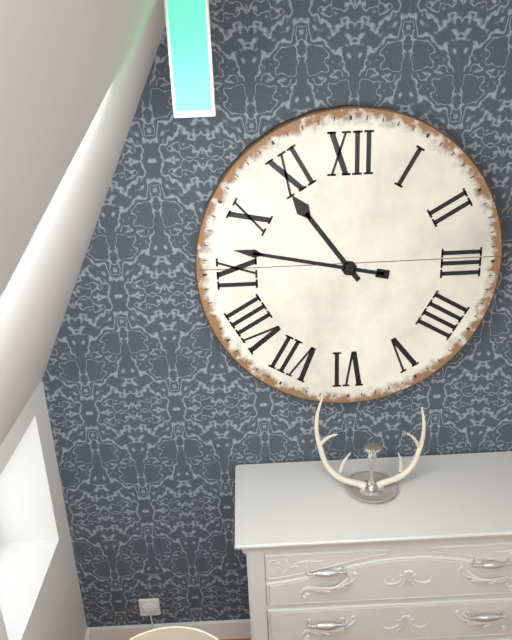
10.47
